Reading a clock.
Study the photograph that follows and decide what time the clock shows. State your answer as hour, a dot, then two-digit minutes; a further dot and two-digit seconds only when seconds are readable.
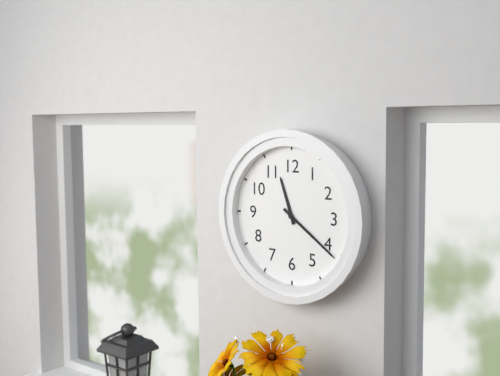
11.21
